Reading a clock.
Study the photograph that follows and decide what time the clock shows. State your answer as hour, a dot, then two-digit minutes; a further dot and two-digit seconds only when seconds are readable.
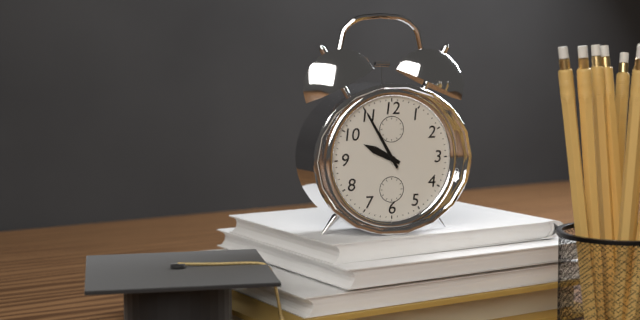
9.55
